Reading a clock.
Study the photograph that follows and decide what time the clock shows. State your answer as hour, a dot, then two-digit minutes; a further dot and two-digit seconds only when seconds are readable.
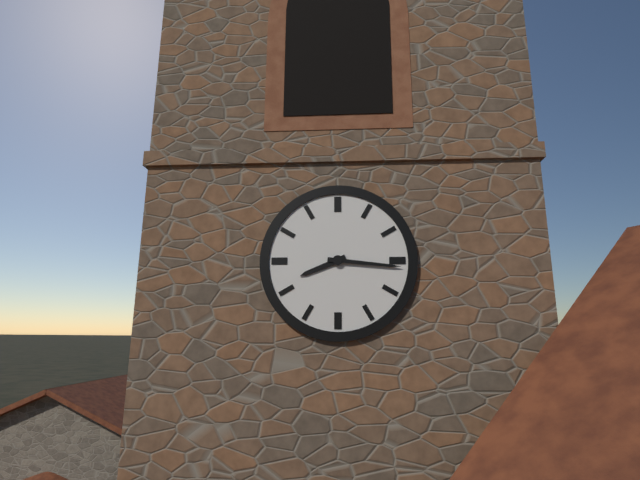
8.16
